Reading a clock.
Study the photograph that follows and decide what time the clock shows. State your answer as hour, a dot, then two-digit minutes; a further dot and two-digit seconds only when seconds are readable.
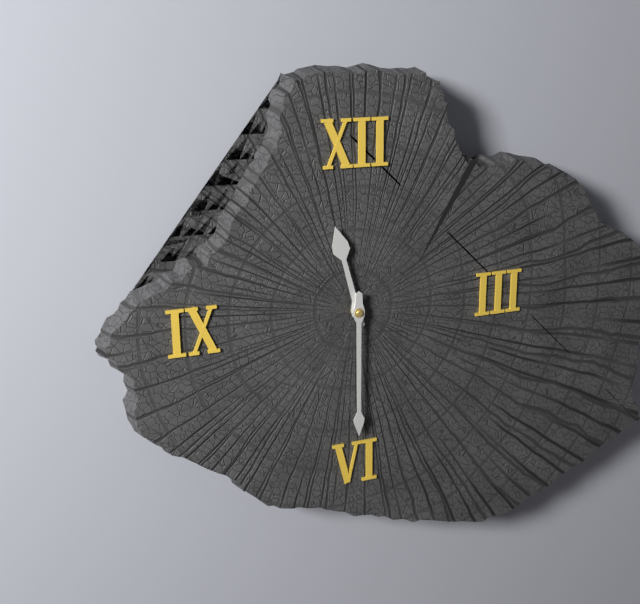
11.30
